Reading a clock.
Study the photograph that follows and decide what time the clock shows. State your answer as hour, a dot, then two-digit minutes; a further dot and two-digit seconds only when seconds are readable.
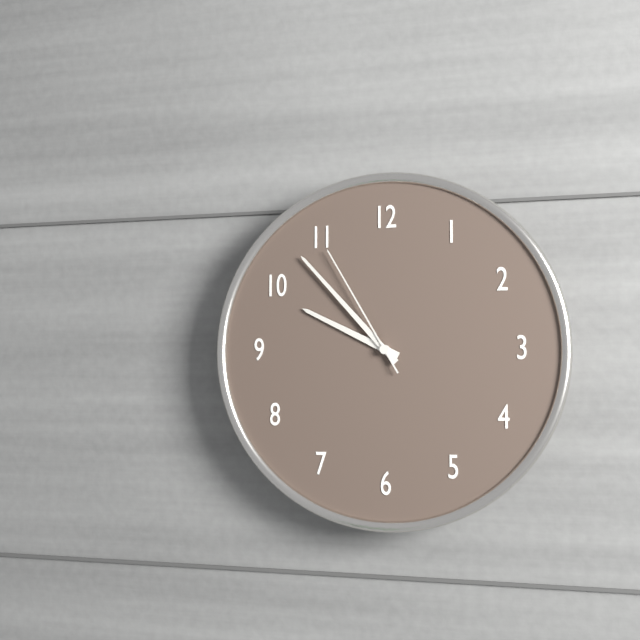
9.53.55
